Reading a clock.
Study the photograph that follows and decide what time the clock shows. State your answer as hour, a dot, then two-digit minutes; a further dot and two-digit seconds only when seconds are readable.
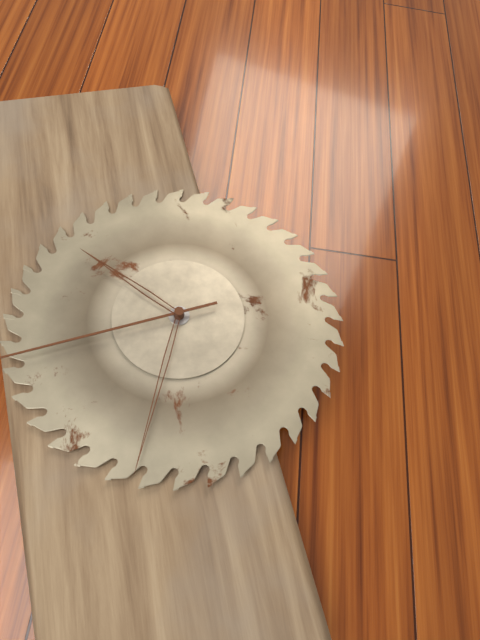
10.34
